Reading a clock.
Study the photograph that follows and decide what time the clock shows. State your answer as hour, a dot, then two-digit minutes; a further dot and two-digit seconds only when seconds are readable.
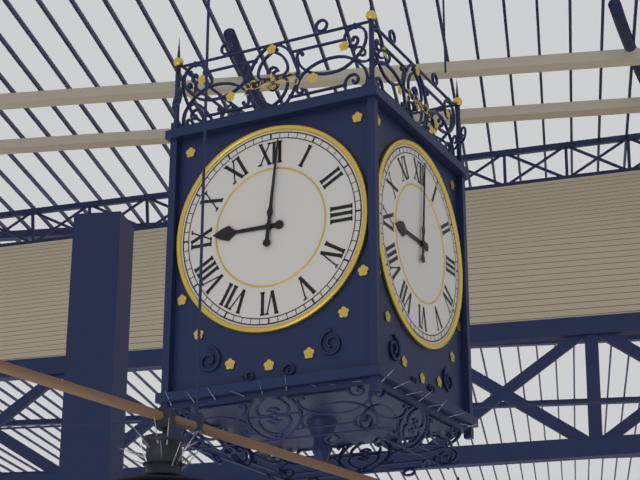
9.01
